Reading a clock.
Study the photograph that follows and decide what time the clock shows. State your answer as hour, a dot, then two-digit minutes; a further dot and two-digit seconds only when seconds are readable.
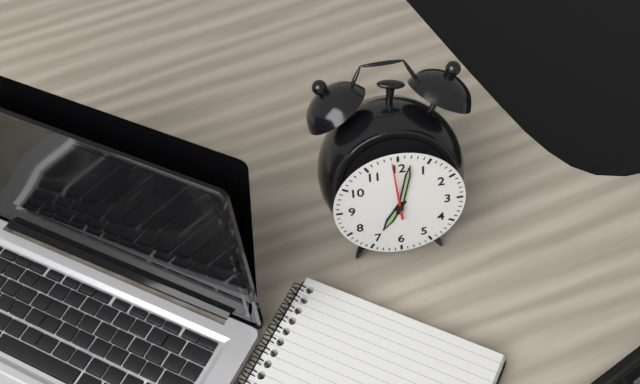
7.02.59
